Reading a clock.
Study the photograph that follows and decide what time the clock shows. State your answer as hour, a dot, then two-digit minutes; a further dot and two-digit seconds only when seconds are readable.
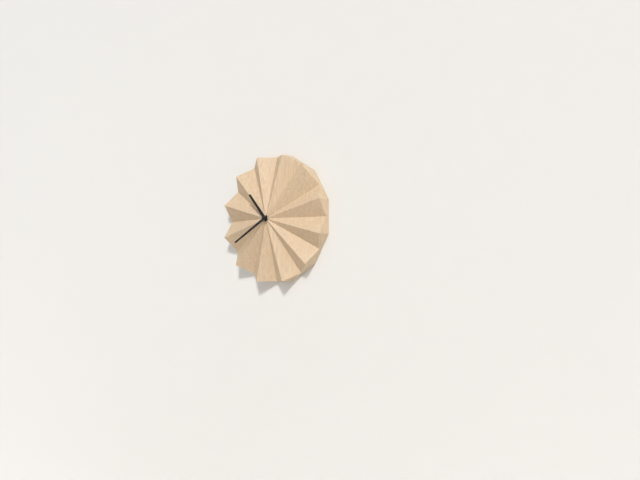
10.40
